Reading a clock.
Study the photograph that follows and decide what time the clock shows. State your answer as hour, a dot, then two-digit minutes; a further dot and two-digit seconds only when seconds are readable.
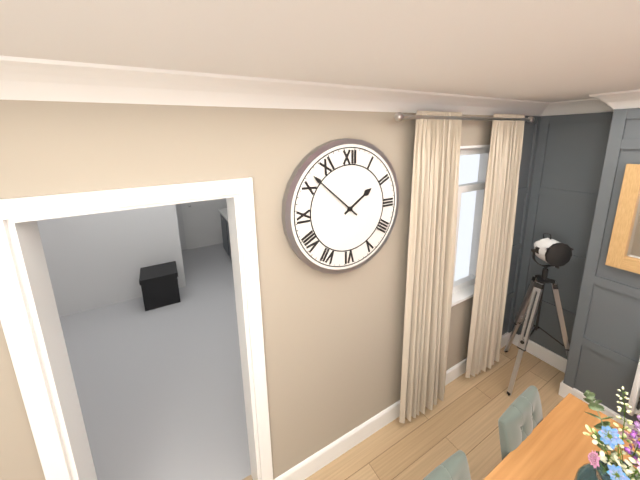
1.52
